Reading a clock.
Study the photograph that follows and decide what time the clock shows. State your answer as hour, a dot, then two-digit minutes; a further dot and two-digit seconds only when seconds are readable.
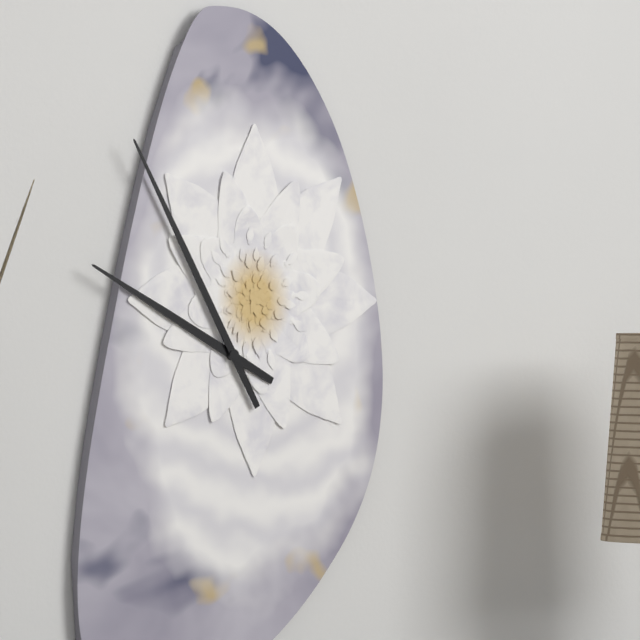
9.55
